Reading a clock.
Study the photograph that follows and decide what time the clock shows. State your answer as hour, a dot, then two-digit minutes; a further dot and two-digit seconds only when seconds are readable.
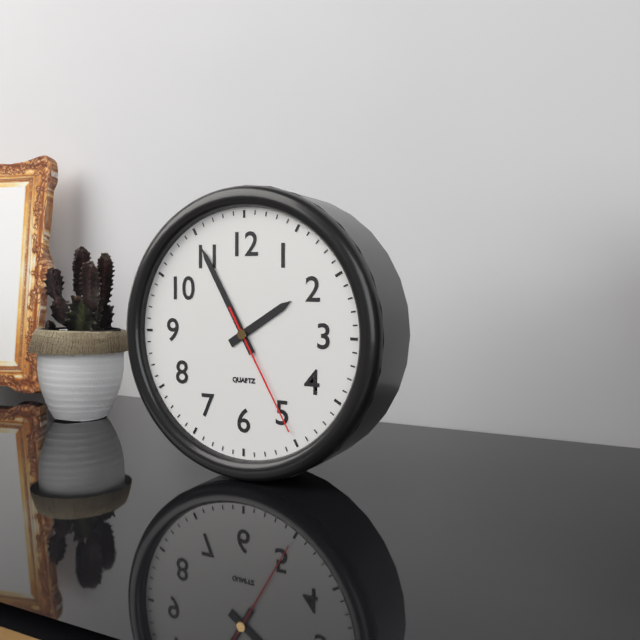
1.55.25
